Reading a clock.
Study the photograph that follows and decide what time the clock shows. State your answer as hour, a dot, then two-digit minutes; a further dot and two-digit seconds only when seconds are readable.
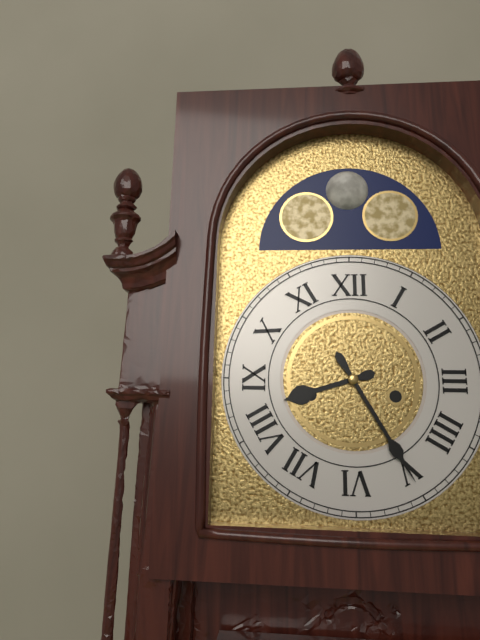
8.25
